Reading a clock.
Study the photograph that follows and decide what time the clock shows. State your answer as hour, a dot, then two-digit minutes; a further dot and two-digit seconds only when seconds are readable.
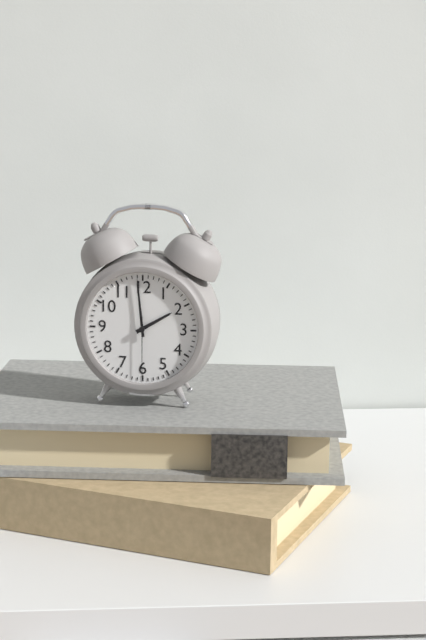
1.59.30
